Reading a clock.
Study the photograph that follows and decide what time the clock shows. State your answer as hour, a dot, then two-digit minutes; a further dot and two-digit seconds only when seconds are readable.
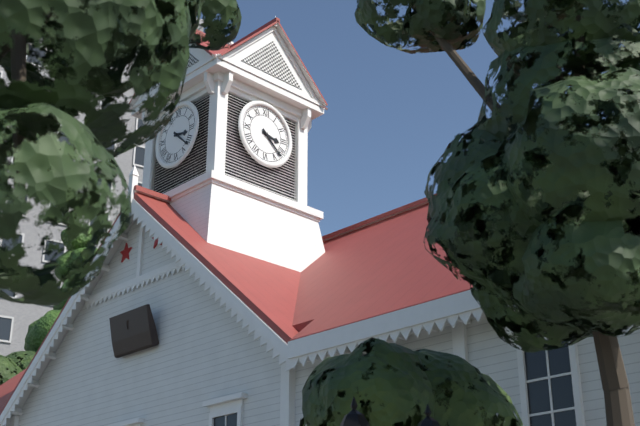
3.22
